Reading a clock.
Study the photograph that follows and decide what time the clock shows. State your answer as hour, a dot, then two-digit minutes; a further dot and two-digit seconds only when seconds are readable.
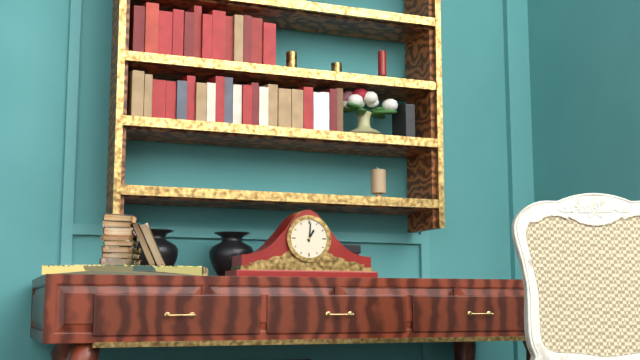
1.01
